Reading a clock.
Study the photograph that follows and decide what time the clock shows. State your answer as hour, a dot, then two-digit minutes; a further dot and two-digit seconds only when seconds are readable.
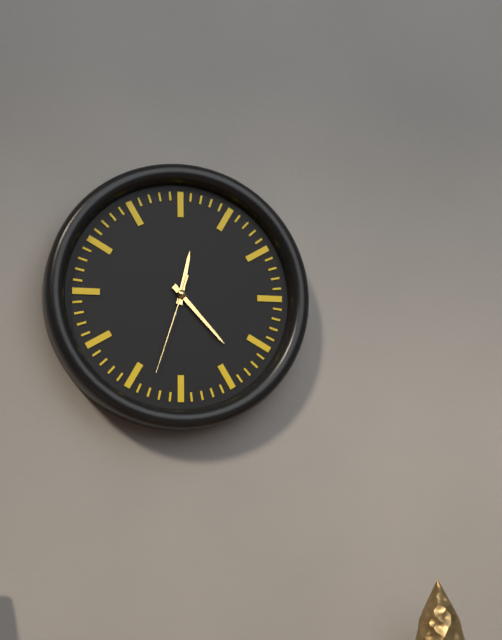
12.23.33
